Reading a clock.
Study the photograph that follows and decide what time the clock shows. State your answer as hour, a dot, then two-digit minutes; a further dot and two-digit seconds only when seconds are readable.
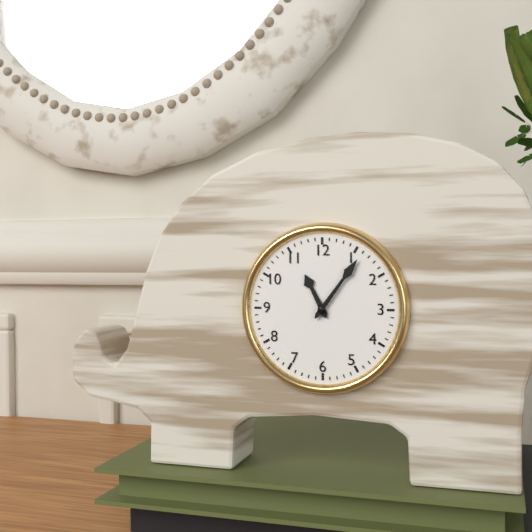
11.06
